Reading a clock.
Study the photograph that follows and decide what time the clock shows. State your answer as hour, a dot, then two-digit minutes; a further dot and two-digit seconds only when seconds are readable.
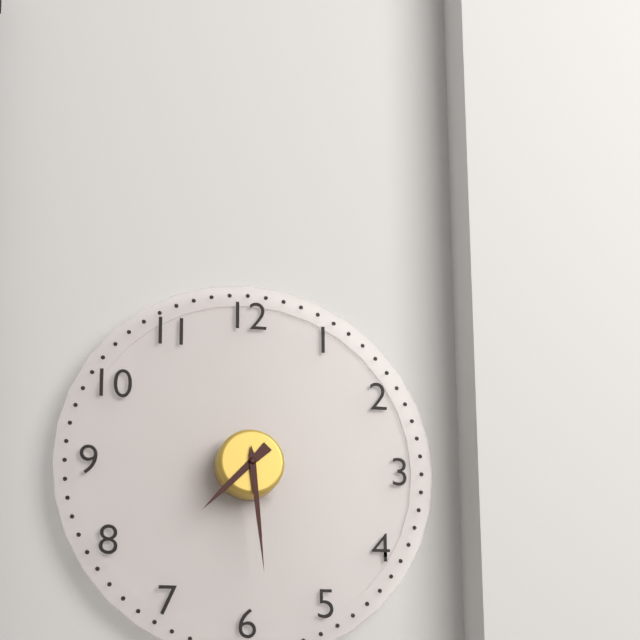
7.29
